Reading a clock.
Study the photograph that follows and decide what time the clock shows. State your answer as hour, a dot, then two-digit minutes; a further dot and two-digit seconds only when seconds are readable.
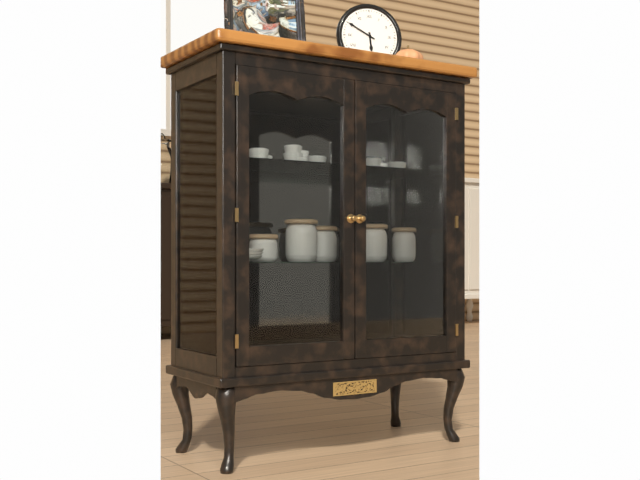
5.50
